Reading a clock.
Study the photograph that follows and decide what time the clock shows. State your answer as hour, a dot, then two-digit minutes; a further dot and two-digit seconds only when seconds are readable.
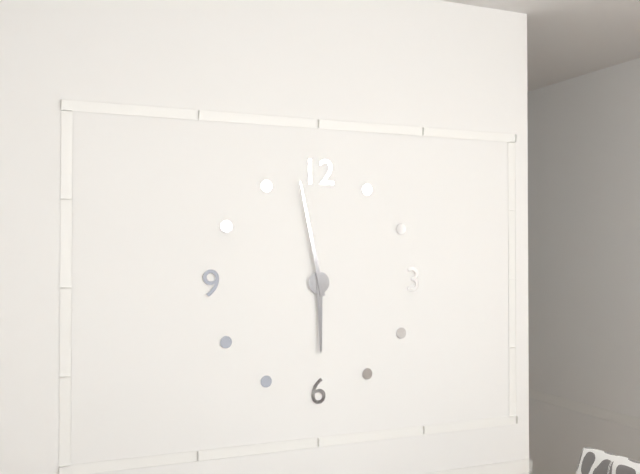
5.58
